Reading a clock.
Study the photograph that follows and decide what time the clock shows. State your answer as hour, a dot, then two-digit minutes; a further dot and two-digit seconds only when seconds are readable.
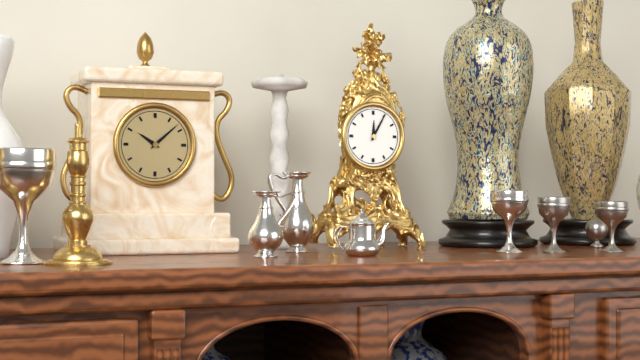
12.05
